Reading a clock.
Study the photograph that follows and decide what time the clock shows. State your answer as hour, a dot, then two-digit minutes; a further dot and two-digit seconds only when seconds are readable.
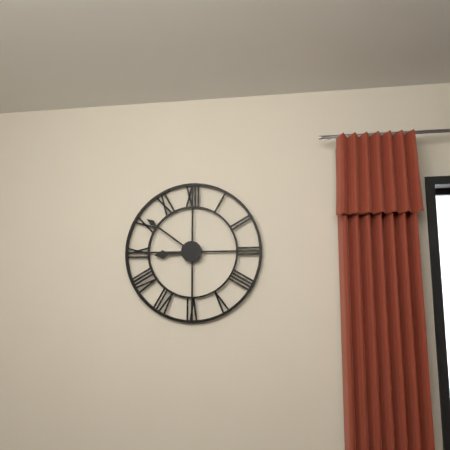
8.51
